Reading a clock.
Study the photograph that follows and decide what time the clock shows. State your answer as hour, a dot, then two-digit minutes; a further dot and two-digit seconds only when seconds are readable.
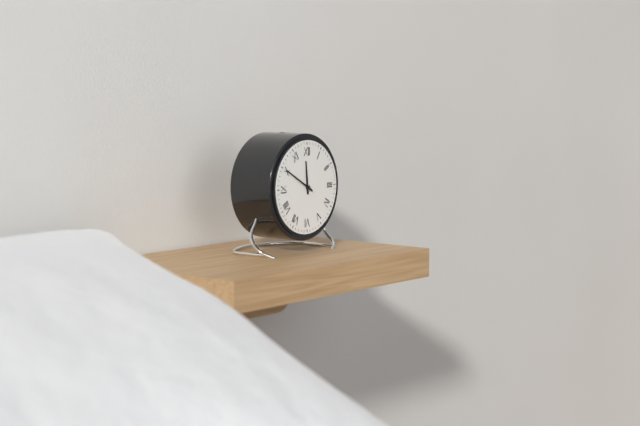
11.50
